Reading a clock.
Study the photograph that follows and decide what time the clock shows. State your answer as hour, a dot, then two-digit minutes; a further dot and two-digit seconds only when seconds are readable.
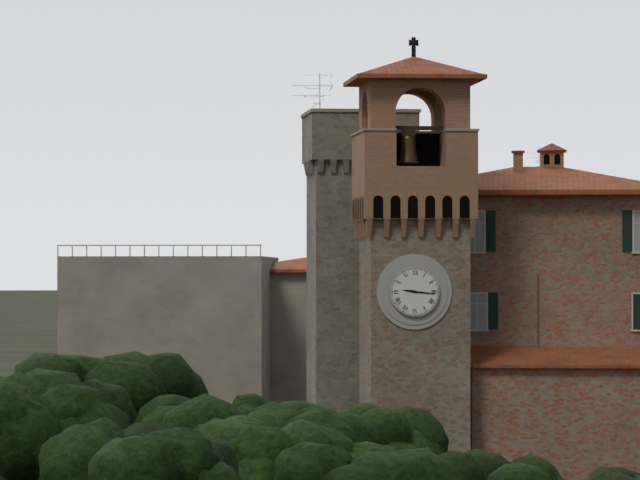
9.16
